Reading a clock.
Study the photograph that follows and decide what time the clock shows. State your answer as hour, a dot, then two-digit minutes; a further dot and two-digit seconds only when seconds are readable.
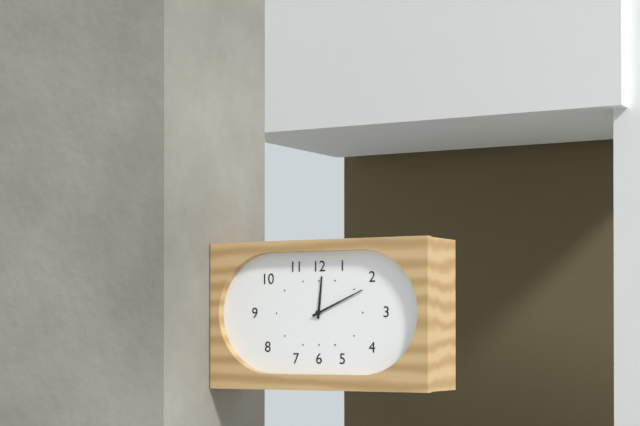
12.11
